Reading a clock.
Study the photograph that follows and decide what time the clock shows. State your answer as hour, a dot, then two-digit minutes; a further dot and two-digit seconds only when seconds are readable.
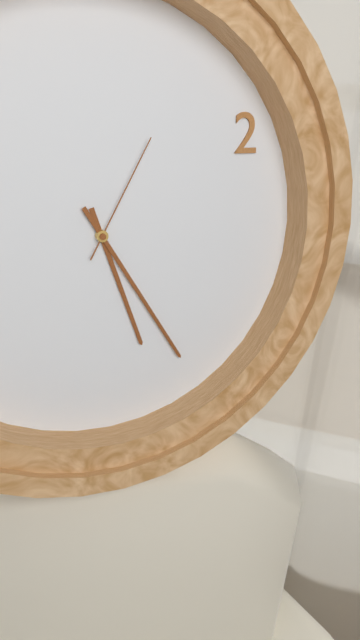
5.25.05
